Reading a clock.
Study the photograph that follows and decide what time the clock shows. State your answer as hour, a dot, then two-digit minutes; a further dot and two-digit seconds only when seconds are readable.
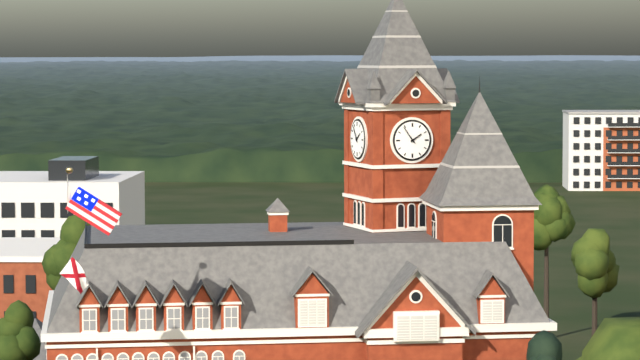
1.54
